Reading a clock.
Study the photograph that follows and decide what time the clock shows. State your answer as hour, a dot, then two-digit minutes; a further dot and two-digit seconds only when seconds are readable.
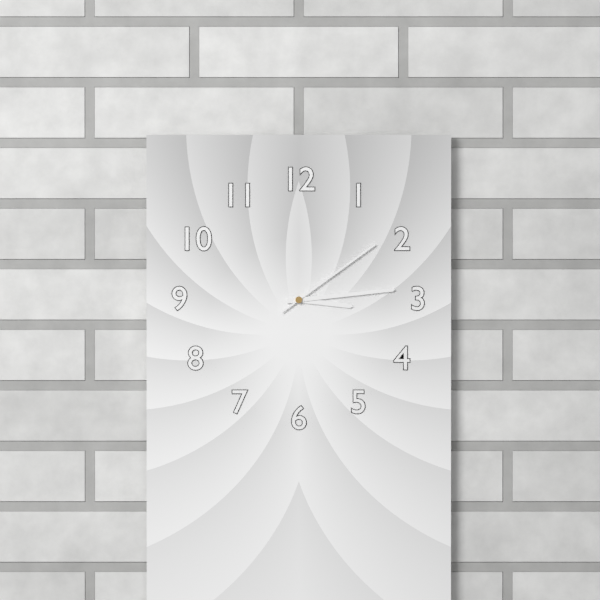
3.14.09
